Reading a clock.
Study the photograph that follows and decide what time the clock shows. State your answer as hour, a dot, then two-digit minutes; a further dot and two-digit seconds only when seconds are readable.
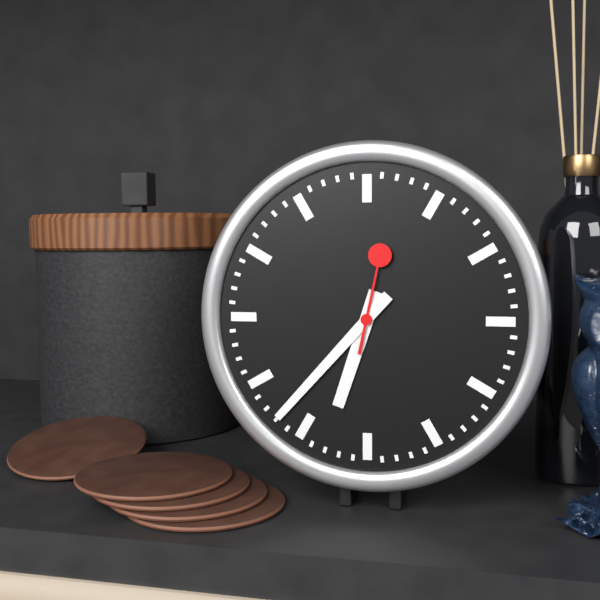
6.37.02
